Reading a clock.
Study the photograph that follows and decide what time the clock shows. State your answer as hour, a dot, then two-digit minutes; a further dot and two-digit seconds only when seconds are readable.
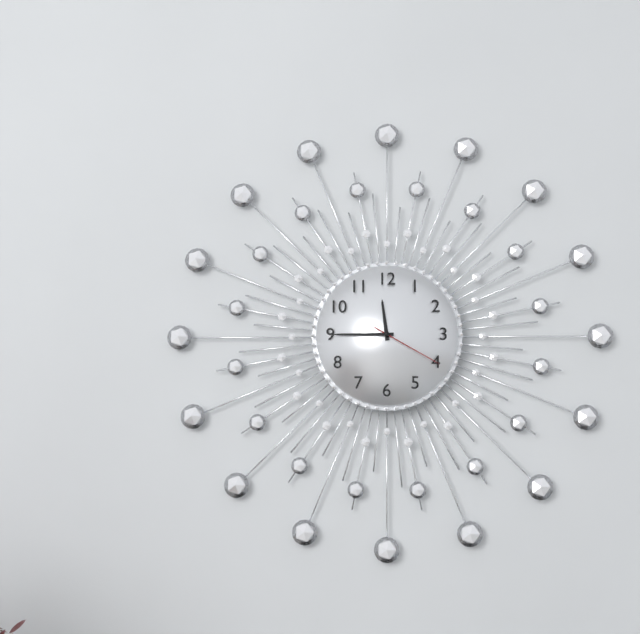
11.45.20
